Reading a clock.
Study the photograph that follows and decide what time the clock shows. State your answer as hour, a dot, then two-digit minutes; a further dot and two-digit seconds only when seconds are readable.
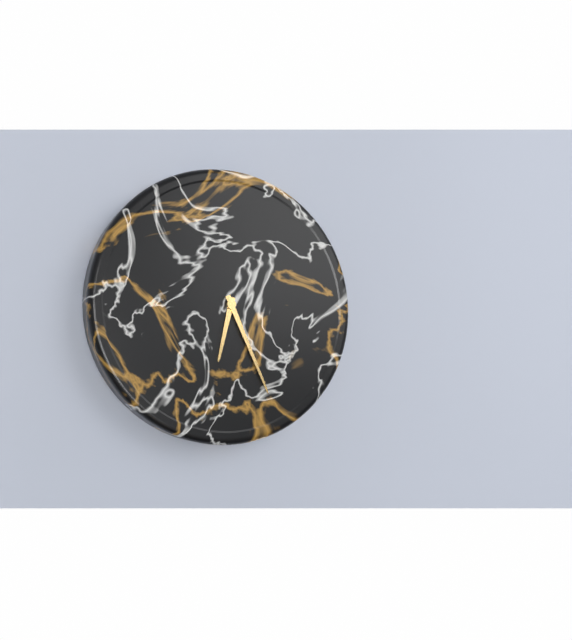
6.26
